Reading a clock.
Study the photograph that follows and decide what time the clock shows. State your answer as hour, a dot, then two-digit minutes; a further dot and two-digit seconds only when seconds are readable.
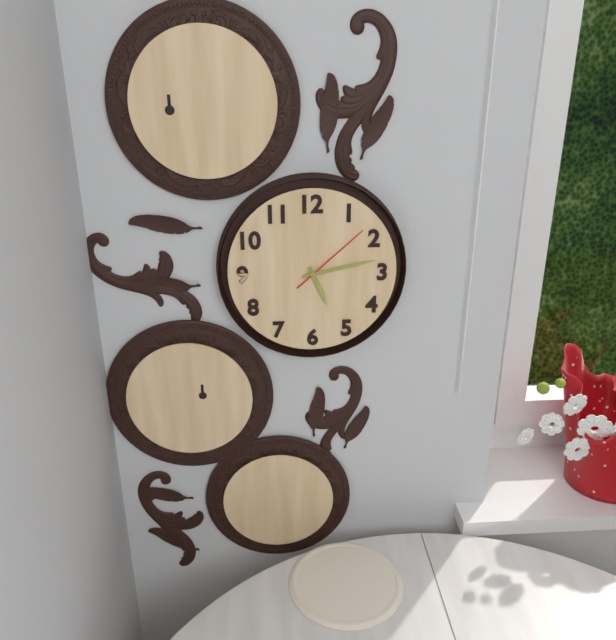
5.13.08
